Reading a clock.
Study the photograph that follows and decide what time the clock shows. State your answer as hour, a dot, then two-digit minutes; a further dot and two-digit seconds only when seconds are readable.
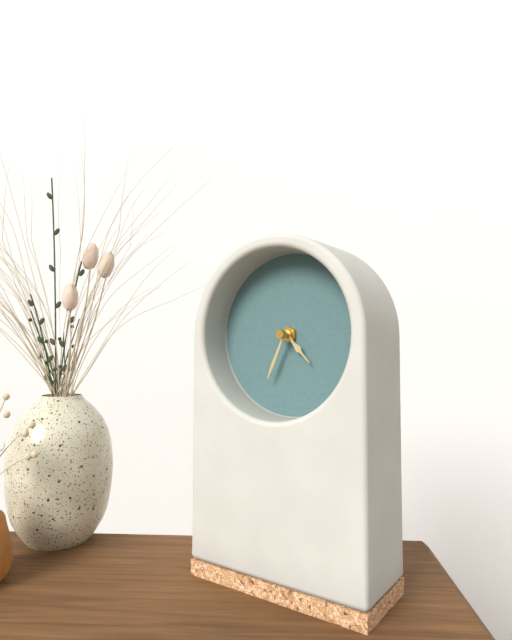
4.34
